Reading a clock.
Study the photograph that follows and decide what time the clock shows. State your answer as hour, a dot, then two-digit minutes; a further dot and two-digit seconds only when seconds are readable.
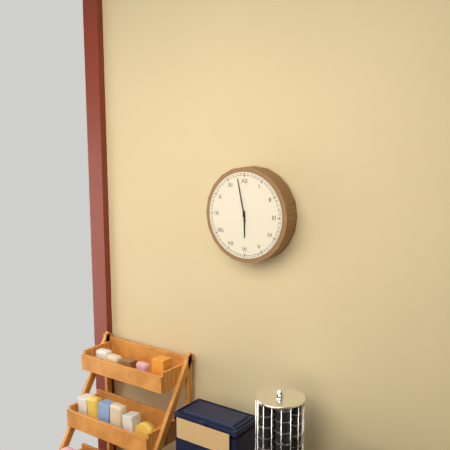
5.58
